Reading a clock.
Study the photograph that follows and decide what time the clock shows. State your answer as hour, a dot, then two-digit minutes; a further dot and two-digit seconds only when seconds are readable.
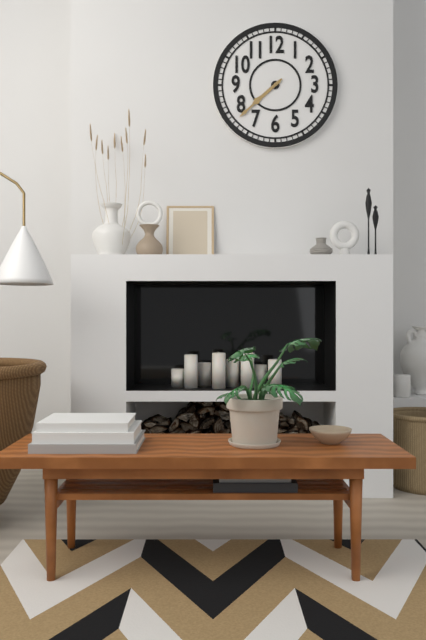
7.38
